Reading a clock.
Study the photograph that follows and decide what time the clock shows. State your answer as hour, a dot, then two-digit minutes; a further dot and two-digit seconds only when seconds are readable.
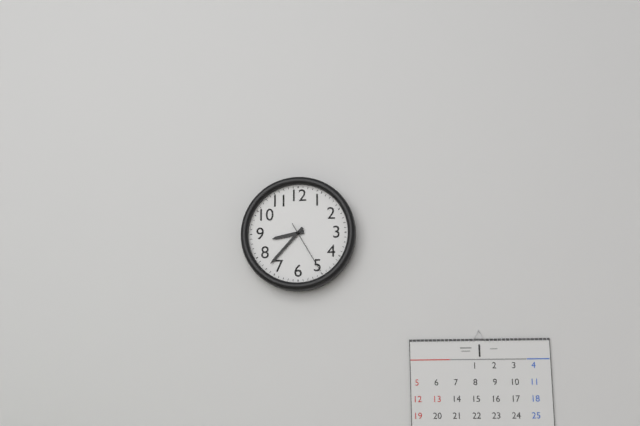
8.37.25
